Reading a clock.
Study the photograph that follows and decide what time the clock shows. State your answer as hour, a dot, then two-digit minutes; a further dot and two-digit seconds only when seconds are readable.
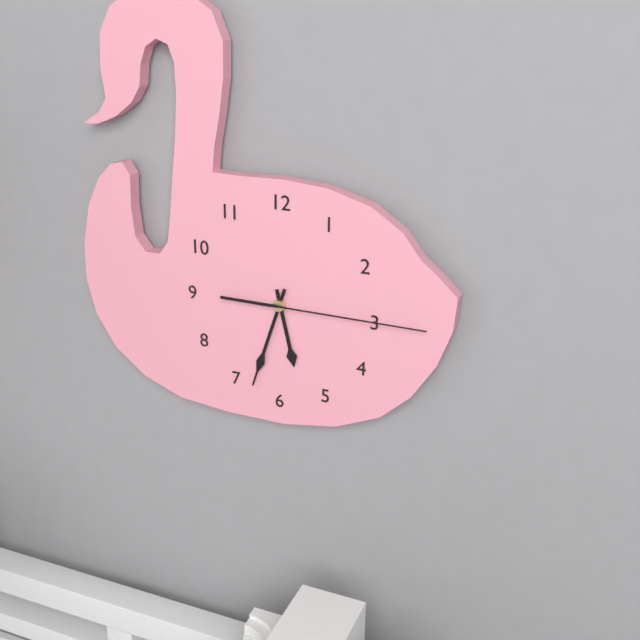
5.33.15
